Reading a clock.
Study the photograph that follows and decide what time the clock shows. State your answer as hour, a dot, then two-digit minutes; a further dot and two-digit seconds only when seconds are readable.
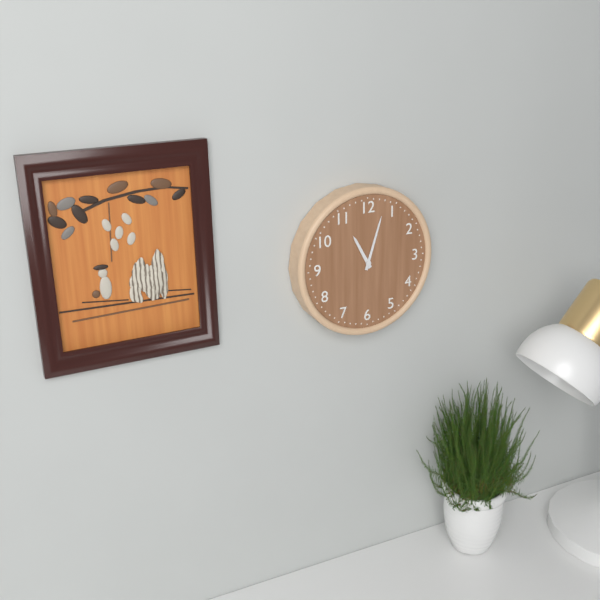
11.03
